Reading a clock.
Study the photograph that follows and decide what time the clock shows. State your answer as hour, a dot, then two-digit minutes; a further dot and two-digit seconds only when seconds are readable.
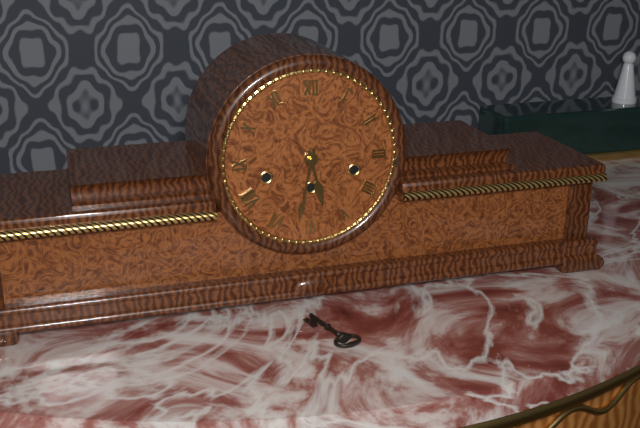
5.32
